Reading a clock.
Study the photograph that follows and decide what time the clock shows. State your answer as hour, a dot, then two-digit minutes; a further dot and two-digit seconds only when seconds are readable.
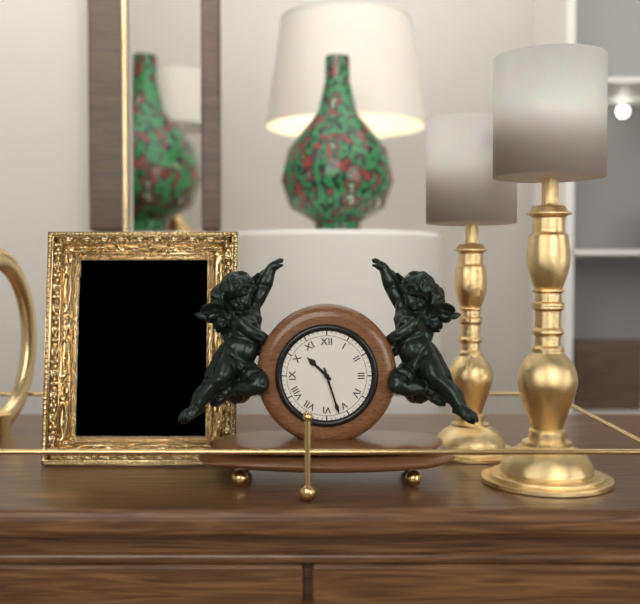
10.27
